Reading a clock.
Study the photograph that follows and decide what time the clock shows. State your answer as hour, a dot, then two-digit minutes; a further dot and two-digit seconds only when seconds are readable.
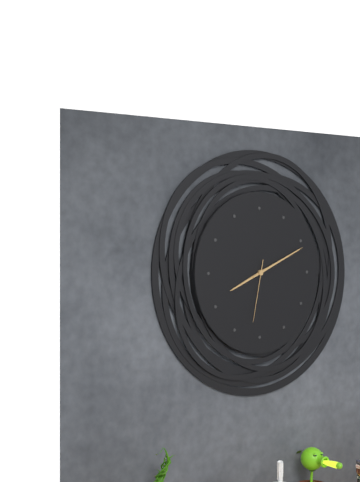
8.11.32
